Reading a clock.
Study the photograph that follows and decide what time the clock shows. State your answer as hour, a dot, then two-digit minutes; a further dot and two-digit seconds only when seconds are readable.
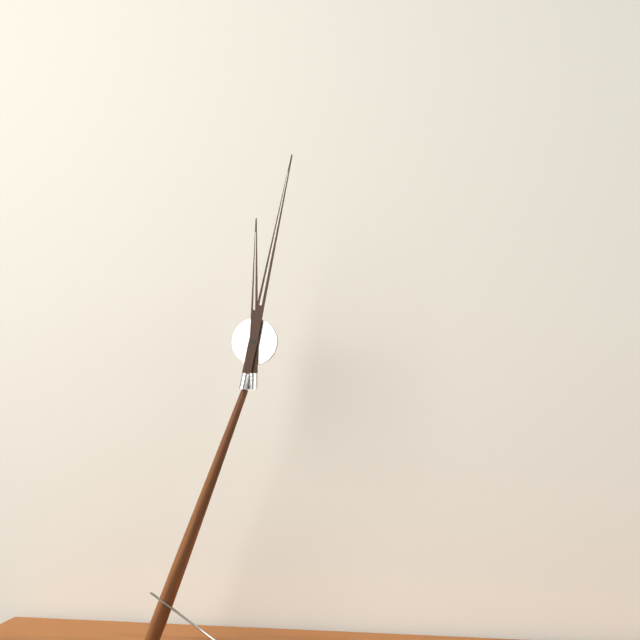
12.02
